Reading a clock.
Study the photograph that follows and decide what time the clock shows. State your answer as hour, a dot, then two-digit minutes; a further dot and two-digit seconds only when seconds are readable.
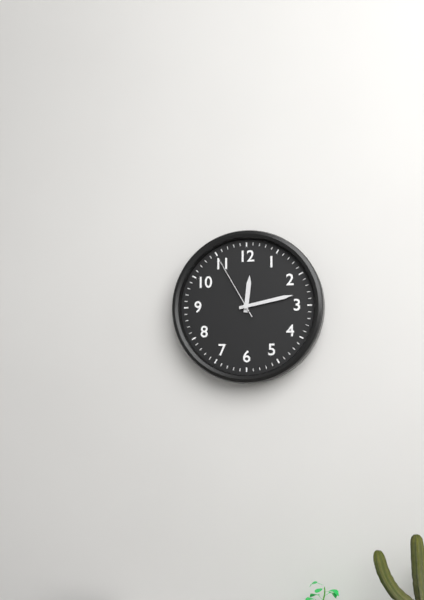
12.13.55
